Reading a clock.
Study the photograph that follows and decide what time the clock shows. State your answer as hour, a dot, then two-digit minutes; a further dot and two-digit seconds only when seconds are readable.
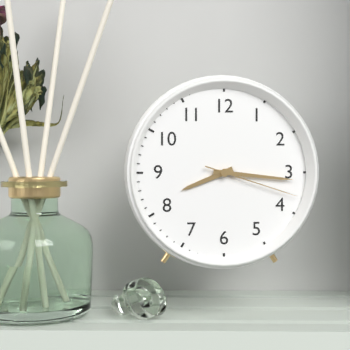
8.16.18
